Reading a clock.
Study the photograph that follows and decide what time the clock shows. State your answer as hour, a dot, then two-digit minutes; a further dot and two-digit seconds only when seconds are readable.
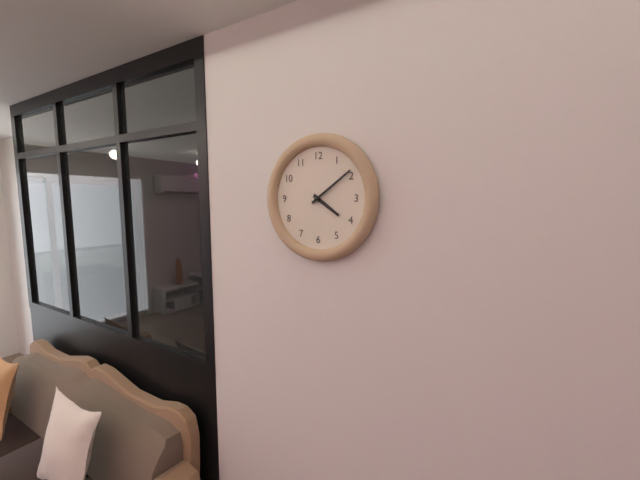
4.09
